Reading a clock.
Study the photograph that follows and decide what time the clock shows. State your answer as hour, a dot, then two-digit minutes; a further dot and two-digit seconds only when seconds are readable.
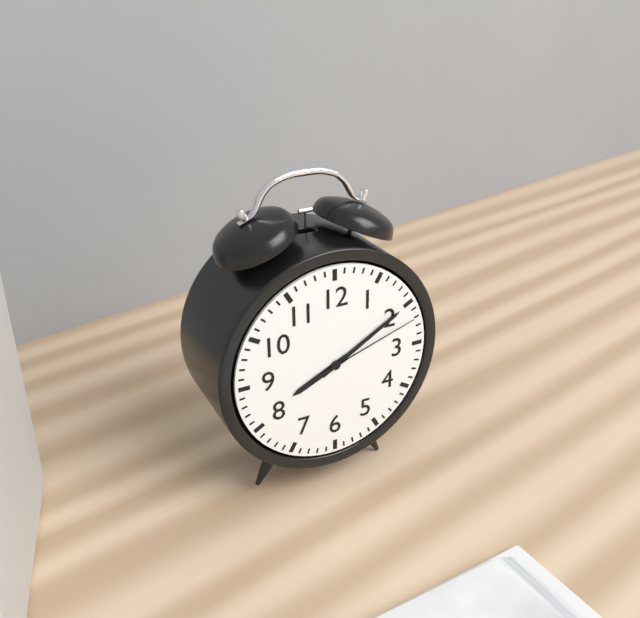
8.10.12
